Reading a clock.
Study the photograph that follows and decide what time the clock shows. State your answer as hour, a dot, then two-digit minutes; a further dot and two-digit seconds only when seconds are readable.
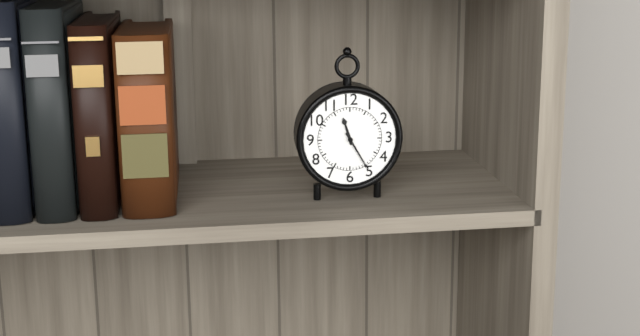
11.25
